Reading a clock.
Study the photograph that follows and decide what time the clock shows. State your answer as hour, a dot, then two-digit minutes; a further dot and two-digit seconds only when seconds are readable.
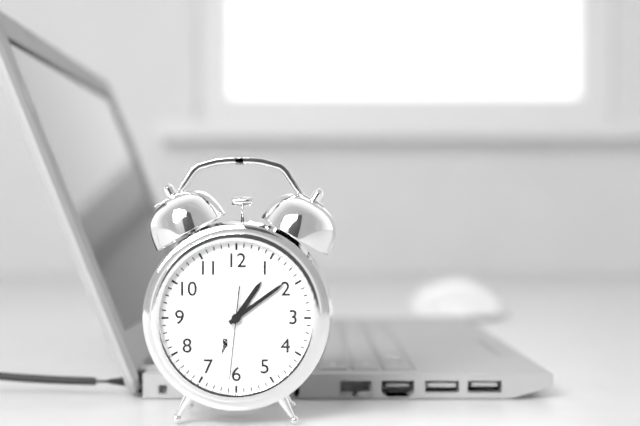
1.09.31
